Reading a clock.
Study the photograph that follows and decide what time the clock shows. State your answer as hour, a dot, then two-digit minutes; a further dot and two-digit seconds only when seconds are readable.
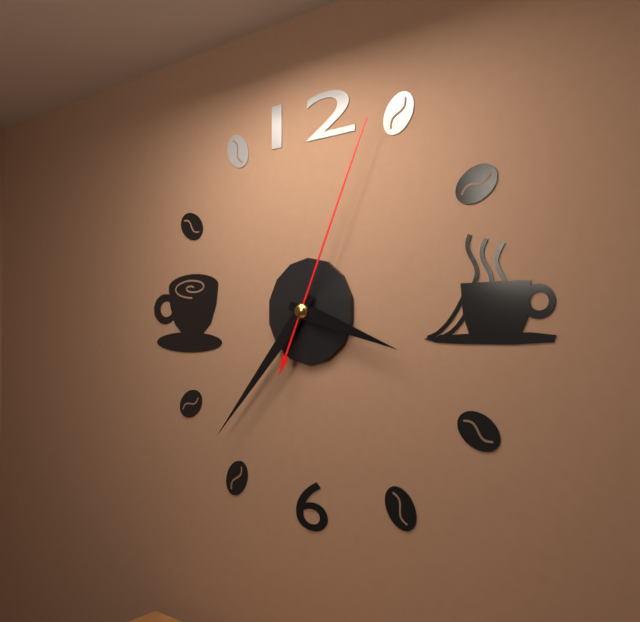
3.37.04
